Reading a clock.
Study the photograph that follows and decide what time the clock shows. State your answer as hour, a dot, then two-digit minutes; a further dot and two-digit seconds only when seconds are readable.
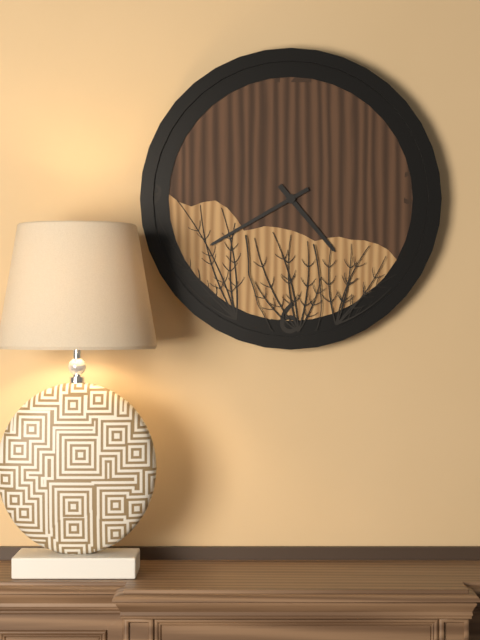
4.40
